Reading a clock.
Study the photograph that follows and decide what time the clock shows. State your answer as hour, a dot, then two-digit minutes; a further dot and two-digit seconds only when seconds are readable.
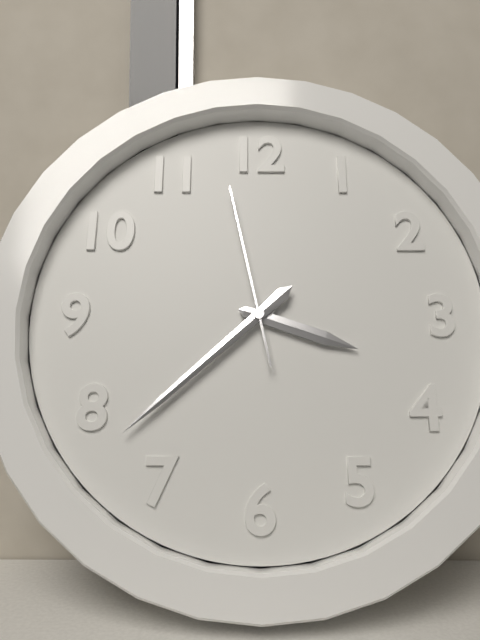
3.38.58
